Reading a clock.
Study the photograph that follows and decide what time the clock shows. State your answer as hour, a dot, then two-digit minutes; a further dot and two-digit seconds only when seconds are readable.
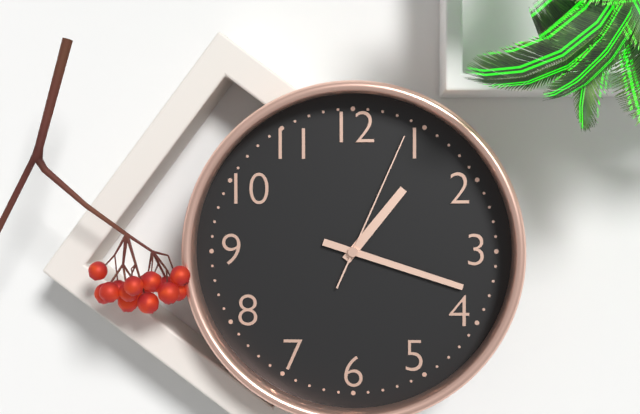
1.18.04
